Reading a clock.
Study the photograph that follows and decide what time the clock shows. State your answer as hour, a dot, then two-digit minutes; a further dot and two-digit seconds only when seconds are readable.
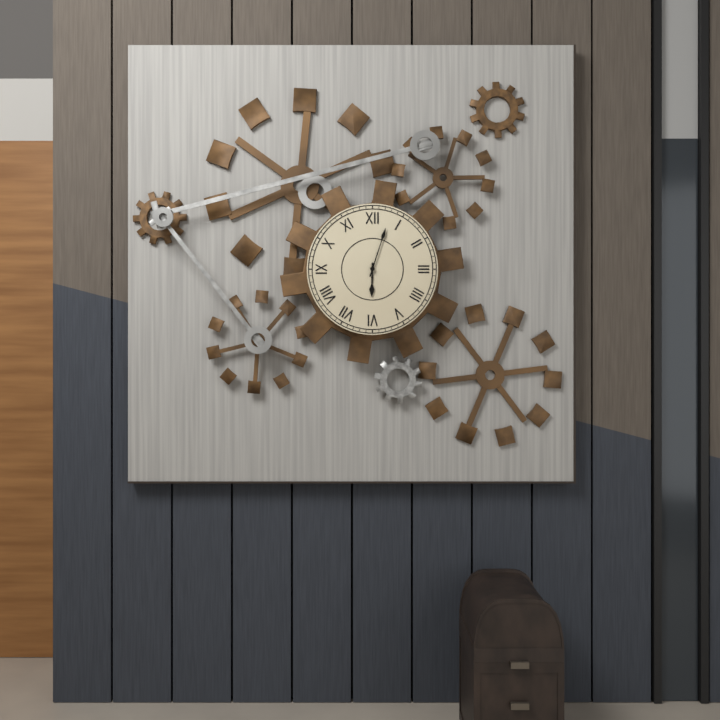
6.03
